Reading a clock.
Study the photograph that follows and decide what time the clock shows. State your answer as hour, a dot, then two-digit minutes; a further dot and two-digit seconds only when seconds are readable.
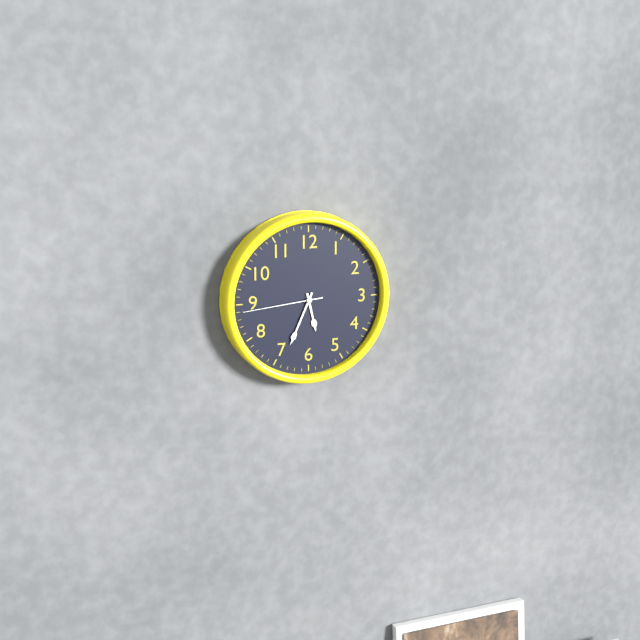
5.34.44
